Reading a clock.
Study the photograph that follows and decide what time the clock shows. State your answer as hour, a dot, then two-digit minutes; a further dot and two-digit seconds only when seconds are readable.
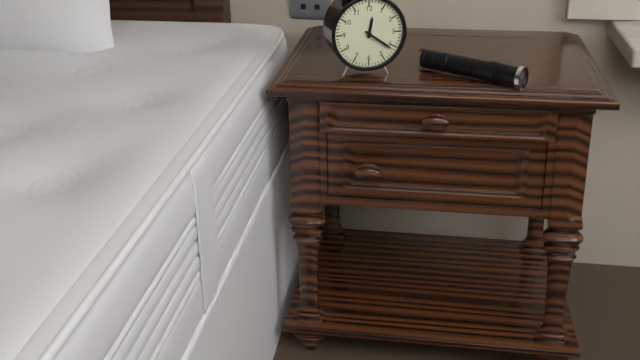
12.21
